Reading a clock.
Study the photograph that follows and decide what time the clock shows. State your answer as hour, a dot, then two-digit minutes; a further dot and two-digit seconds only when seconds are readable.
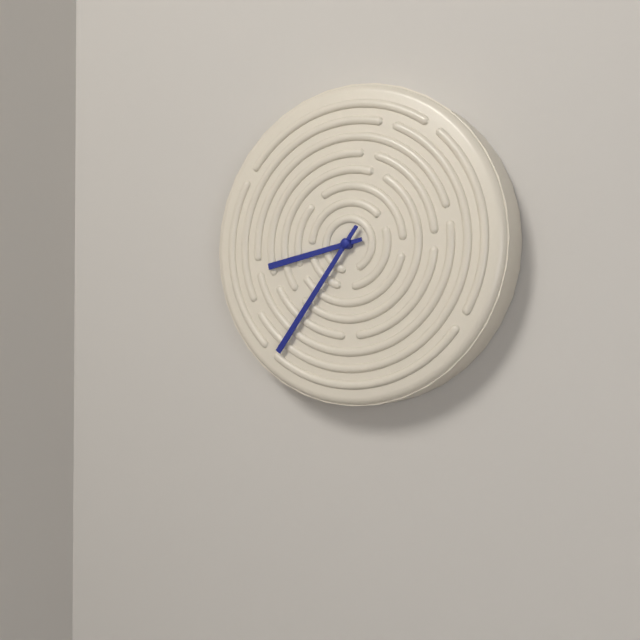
8.36
